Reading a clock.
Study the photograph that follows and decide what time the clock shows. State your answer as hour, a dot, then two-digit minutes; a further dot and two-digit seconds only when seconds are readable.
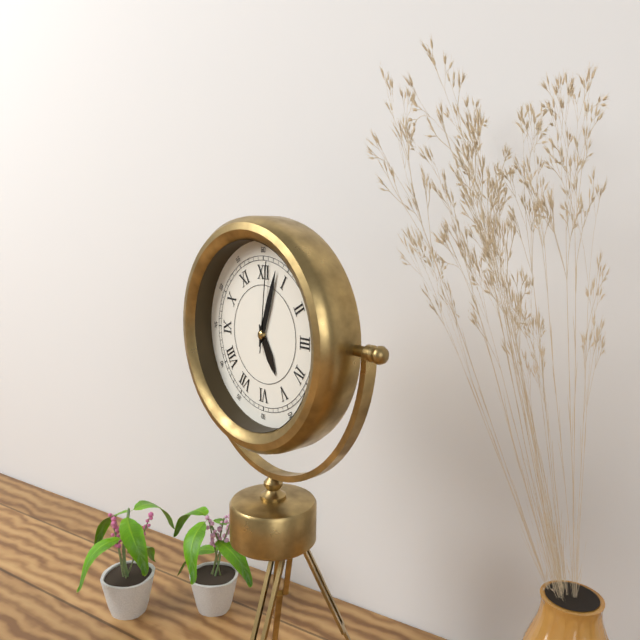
5.03.01
